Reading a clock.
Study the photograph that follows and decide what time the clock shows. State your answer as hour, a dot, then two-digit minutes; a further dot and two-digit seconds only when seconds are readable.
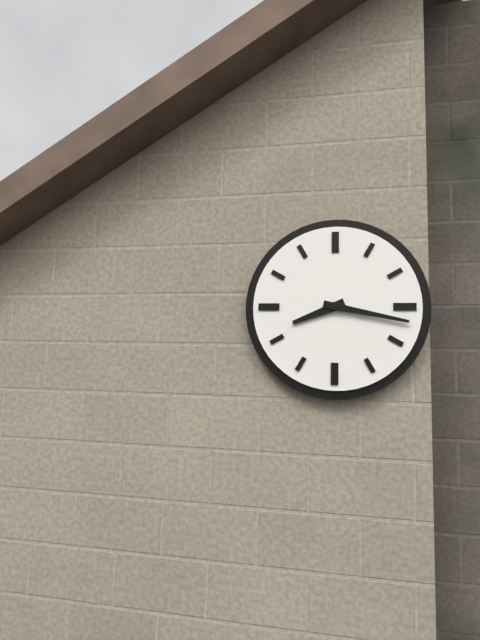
8.17
